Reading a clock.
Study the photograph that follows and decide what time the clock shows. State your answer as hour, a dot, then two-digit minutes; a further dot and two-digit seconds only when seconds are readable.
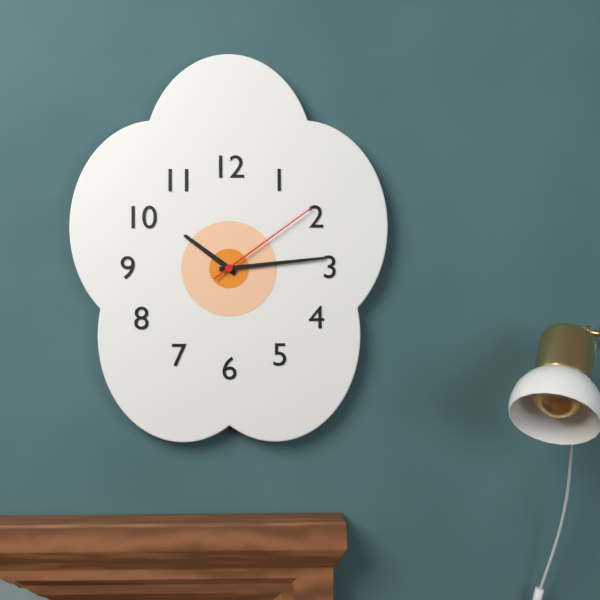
10.14.09
